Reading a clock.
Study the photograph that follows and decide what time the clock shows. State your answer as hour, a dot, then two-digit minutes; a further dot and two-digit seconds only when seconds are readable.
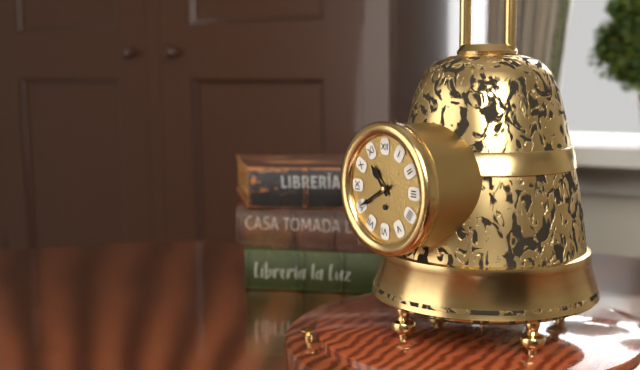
10.40
